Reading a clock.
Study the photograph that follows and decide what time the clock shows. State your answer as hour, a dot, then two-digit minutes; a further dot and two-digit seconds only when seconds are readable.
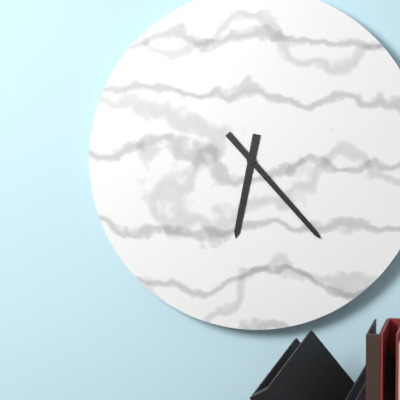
6.23
